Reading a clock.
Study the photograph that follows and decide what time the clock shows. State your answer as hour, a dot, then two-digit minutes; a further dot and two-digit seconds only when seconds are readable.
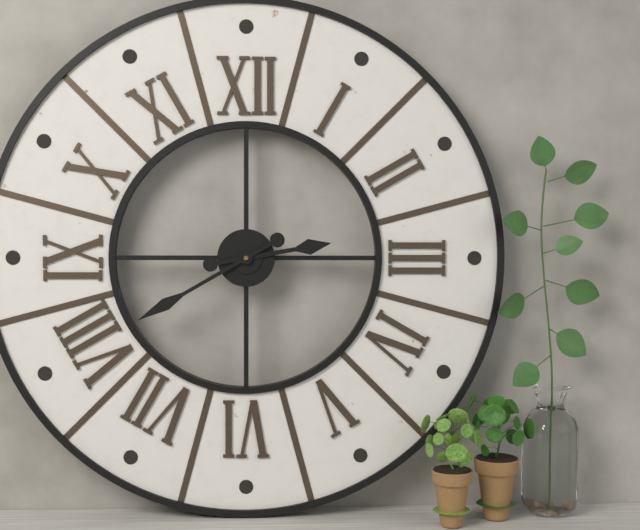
2.40
